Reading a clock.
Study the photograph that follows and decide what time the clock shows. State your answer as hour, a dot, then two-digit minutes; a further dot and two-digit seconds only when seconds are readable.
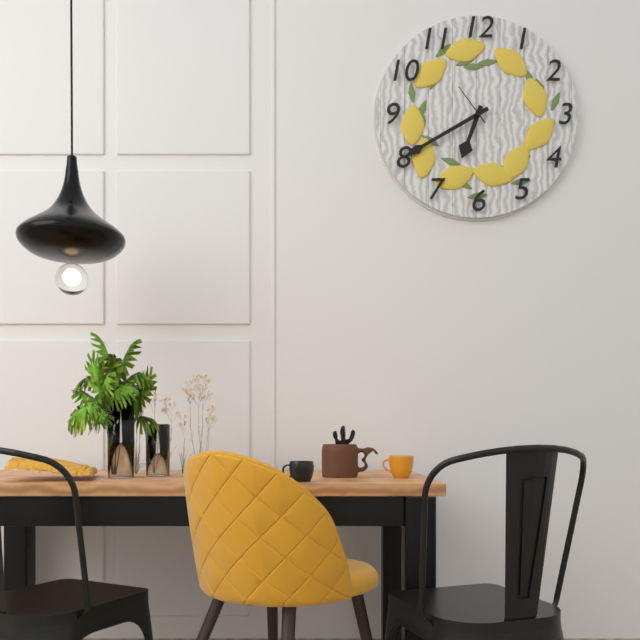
6.40
